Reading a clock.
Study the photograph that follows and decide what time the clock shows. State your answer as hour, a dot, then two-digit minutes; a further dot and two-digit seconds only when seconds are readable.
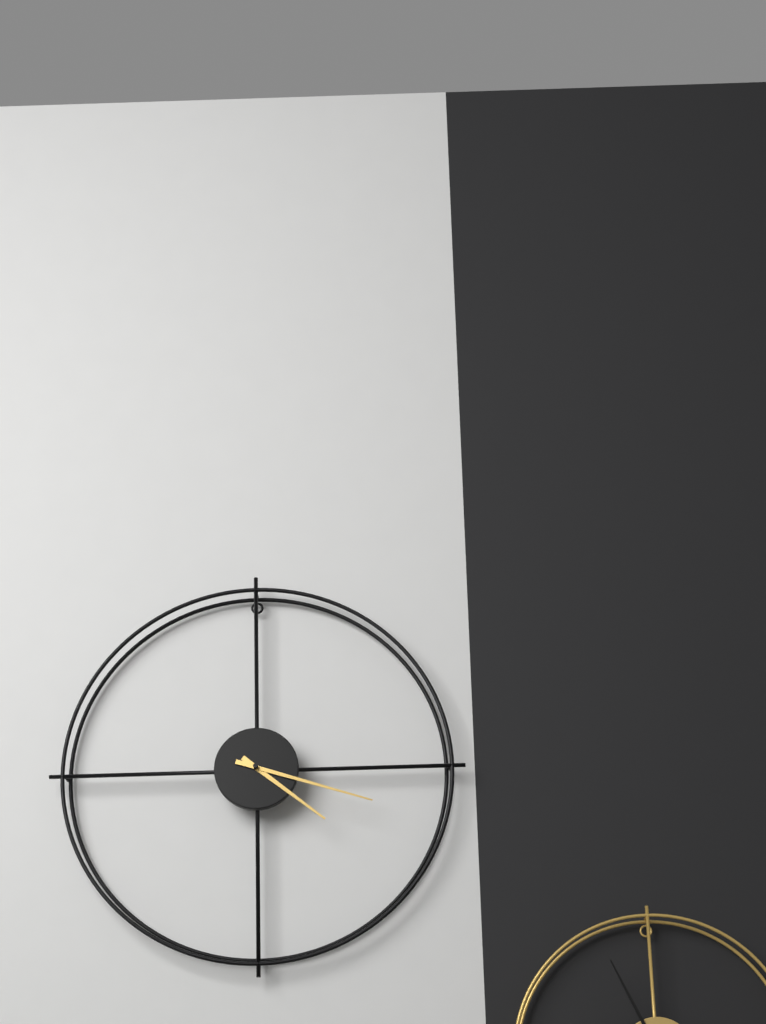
4.18
